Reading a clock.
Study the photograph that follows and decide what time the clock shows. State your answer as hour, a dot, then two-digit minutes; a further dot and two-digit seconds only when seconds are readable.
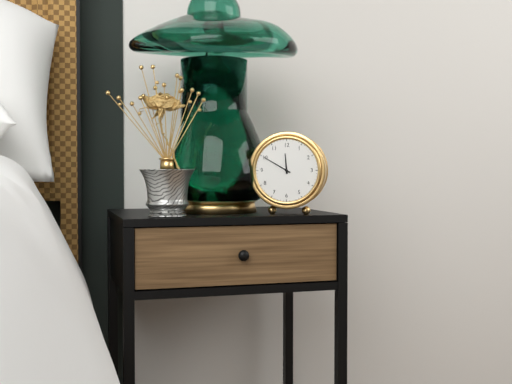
11.50
